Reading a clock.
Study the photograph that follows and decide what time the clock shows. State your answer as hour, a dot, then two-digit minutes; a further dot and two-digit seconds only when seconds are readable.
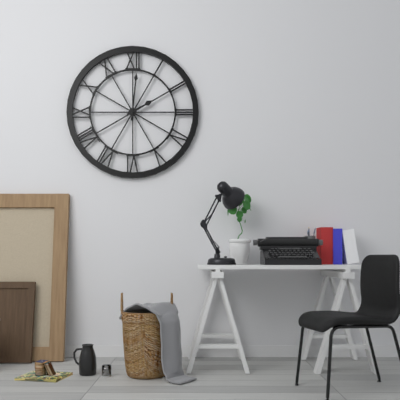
2.01
